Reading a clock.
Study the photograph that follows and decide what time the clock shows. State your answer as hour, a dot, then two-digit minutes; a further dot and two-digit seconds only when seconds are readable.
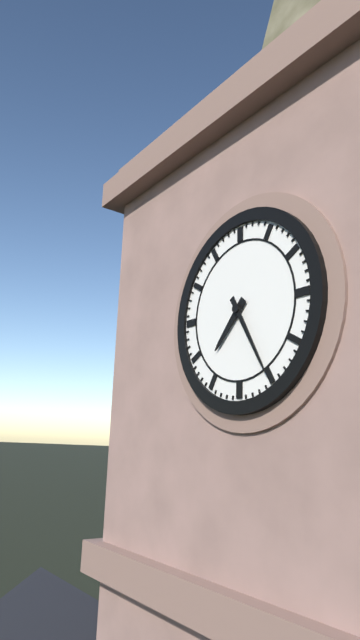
7.25
